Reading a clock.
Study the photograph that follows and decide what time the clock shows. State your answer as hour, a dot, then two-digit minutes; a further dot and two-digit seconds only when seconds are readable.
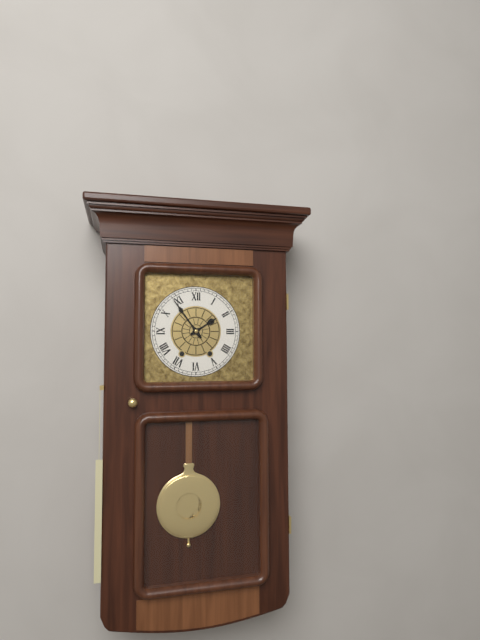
1.54
